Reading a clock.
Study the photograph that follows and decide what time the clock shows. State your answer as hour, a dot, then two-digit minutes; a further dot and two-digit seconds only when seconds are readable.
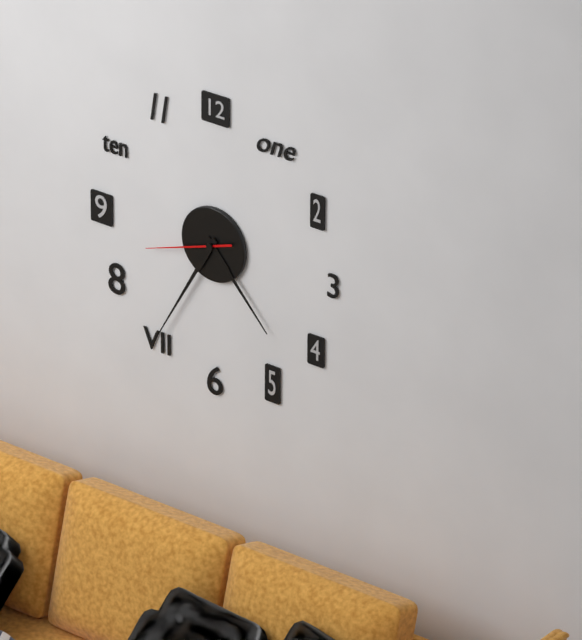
4.35.42
